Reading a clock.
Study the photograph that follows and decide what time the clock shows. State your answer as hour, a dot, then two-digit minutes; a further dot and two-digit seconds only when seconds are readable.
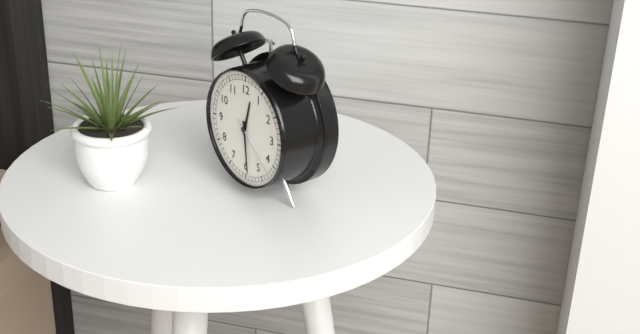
12.29.22
